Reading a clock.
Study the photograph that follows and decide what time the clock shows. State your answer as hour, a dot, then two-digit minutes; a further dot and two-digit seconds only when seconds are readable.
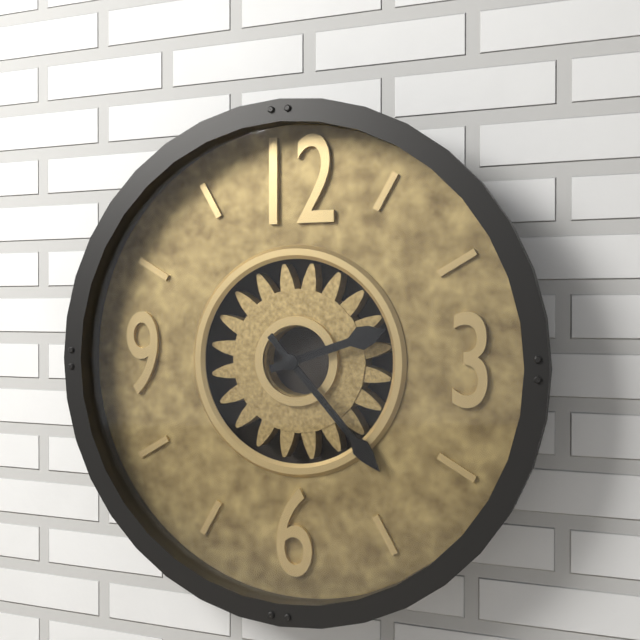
2.23
